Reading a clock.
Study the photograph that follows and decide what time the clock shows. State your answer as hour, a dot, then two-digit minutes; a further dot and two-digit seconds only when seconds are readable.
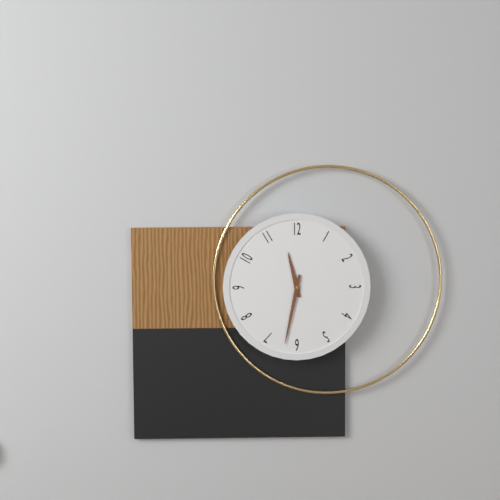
11.32
